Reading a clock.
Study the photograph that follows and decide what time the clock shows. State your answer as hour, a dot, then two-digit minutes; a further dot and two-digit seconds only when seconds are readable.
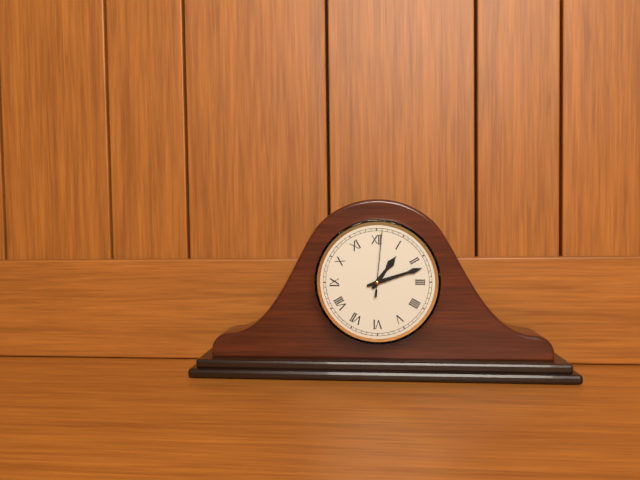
1.12.01
